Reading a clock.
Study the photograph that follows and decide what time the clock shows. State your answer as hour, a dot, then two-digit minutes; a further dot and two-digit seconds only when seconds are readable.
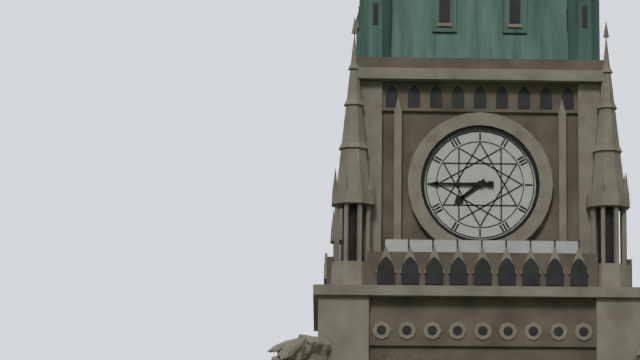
7.45
